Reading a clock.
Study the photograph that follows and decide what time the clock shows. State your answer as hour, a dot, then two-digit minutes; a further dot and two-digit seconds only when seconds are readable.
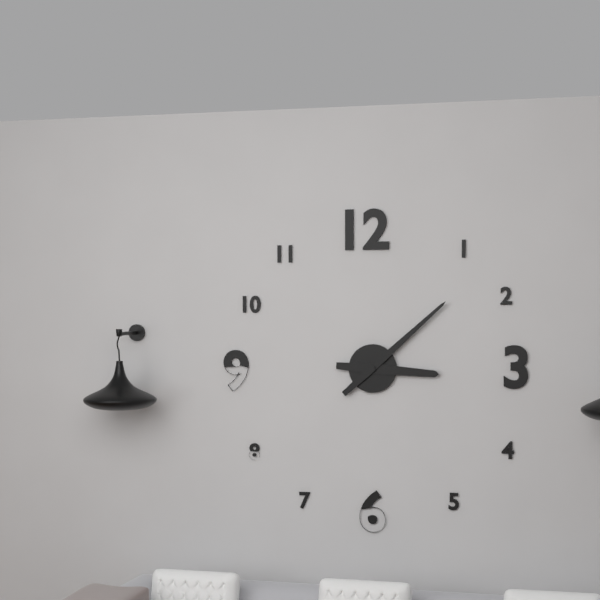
3.08
